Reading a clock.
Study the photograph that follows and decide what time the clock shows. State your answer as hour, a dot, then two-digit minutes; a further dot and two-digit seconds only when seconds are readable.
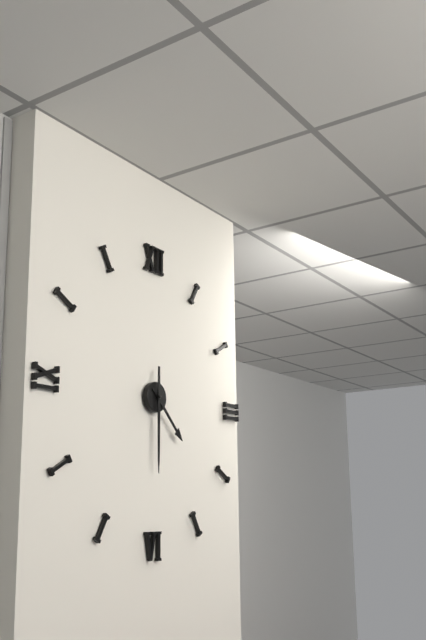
4.30
